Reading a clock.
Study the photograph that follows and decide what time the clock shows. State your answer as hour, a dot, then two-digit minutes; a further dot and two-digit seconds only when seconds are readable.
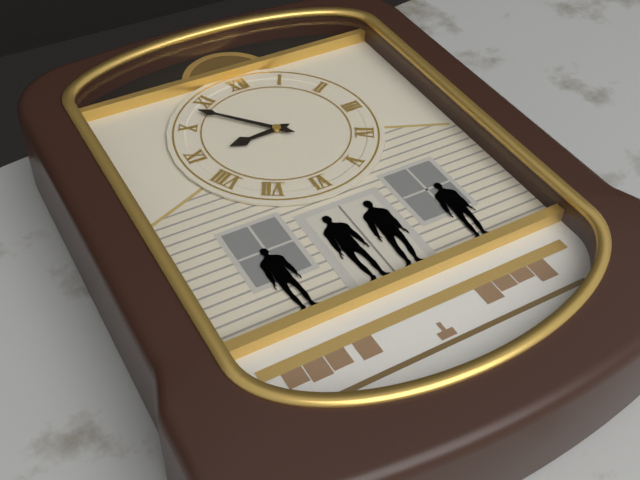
8.53
